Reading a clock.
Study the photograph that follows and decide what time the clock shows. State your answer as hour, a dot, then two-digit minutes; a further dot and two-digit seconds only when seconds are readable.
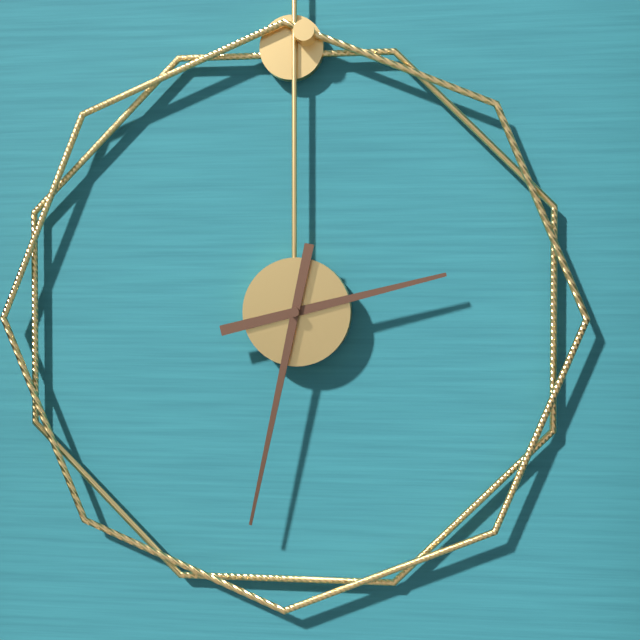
2.32
